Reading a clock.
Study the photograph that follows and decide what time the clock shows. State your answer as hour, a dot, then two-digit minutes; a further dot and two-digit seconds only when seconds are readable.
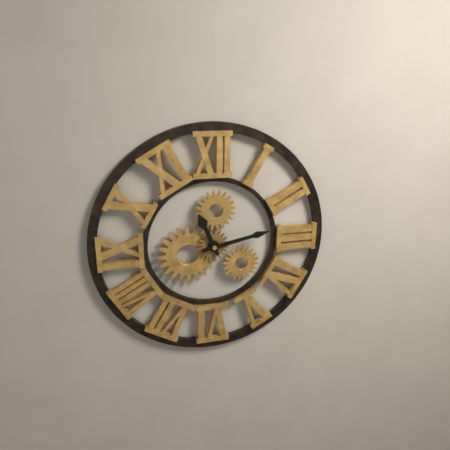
11.13
